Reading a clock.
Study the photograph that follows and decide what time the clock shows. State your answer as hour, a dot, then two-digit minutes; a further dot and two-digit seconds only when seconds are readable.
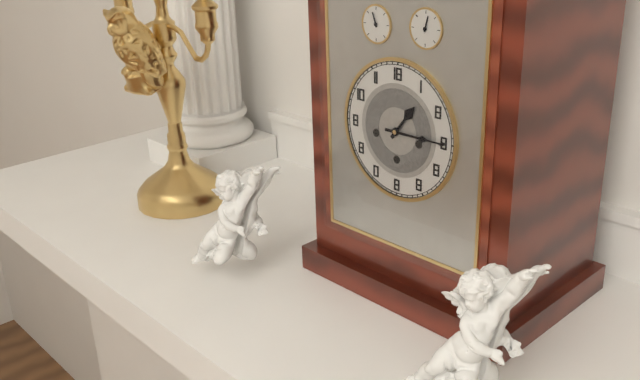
1.15
